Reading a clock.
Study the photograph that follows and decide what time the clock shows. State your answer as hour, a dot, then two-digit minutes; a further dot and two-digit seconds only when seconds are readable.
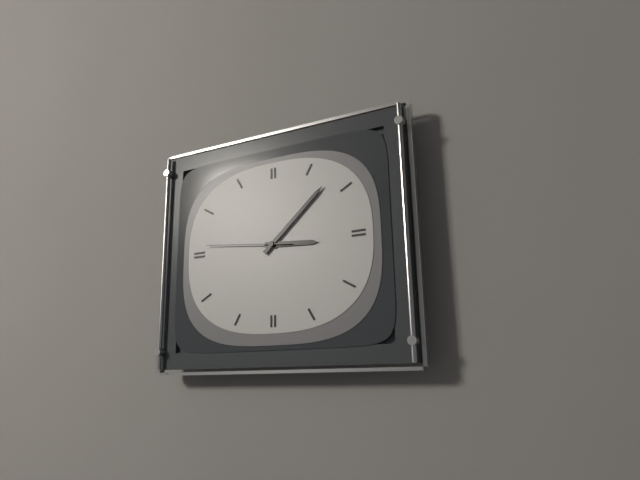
3.08.46
